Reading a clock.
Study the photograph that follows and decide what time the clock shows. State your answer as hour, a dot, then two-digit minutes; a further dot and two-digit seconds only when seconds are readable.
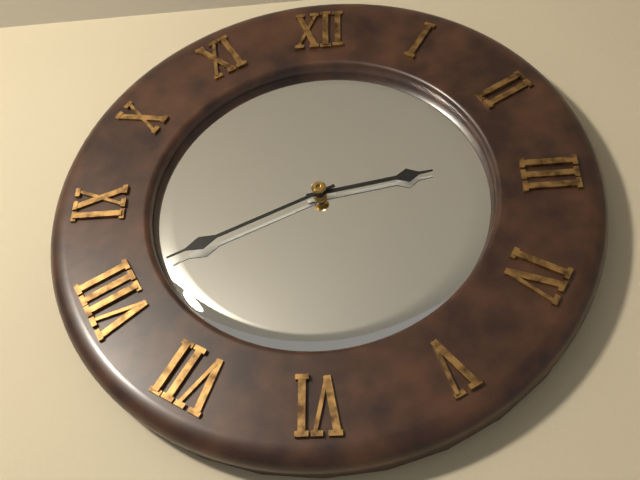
2.41
